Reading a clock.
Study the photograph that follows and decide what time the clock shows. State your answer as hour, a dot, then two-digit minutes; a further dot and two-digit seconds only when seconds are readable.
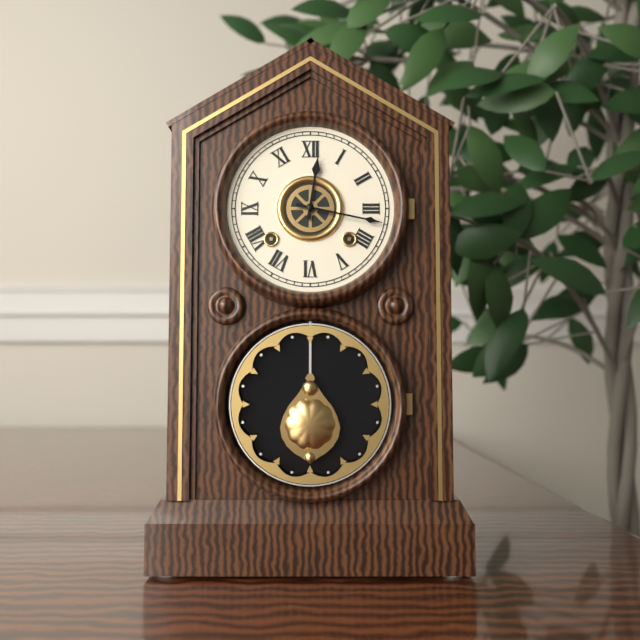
12.17
